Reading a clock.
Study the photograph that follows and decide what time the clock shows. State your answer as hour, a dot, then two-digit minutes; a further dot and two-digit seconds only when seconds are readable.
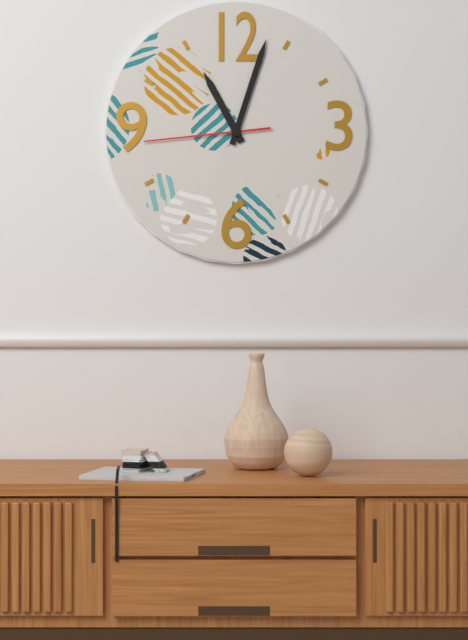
11.03.44
